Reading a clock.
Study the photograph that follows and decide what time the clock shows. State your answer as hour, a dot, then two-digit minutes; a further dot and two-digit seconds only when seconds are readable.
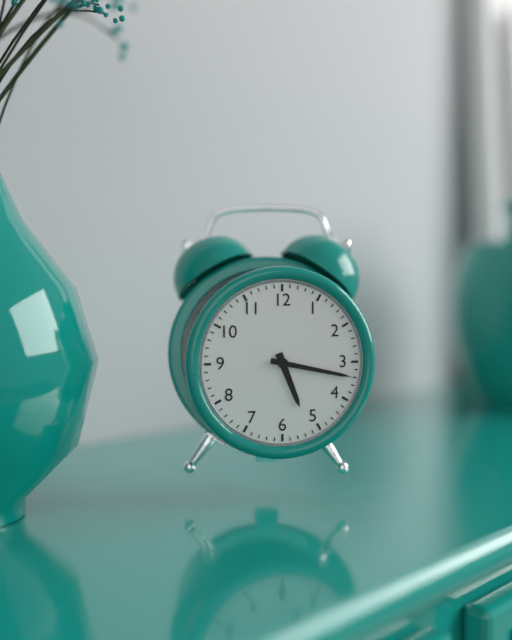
5.17
